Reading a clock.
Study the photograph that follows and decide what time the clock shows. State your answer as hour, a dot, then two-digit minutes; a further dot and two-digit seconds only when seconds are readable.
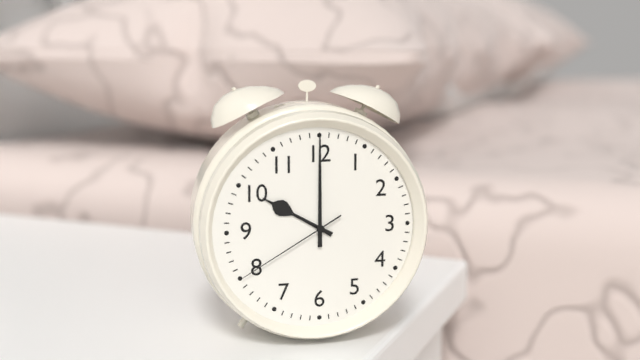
10.00.40
